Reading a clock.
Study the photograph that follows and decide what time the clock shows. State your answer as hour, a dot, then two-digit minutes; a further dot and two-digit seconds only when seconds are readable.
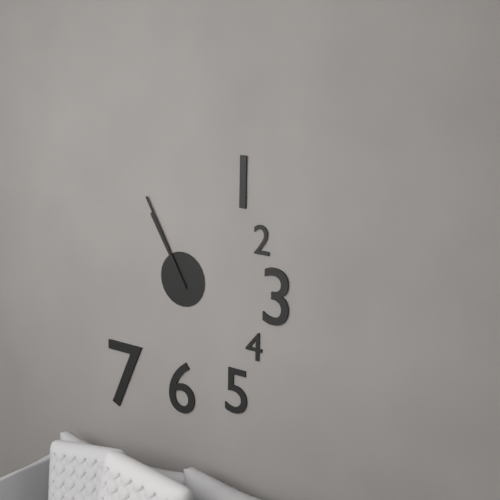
10.55
